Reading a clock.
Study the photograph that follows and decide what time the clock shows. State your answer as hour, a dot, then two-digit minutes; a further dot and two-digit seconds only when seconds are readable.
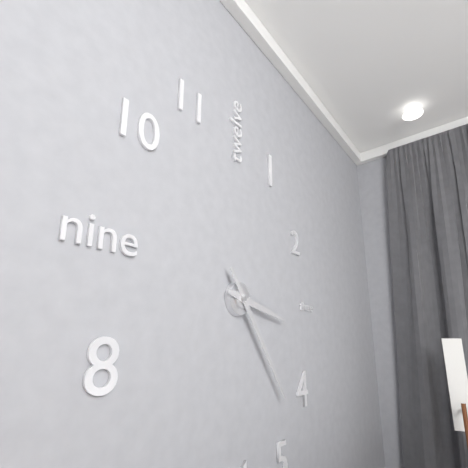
3.24
